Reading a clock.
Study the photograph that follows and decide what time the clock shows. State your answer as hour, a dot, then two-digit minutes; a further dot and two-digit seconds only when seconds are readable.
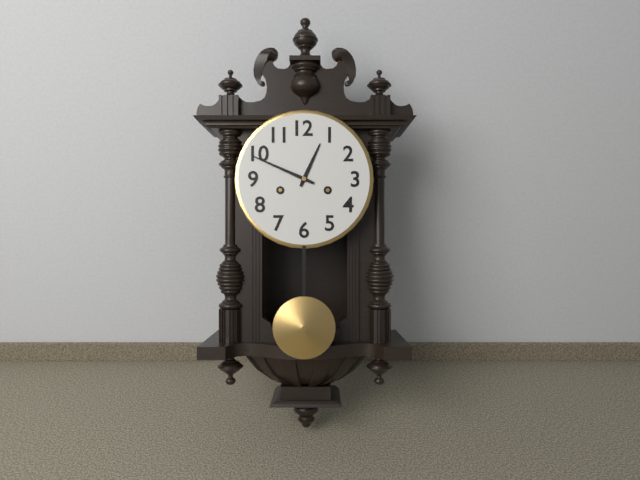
12.49
